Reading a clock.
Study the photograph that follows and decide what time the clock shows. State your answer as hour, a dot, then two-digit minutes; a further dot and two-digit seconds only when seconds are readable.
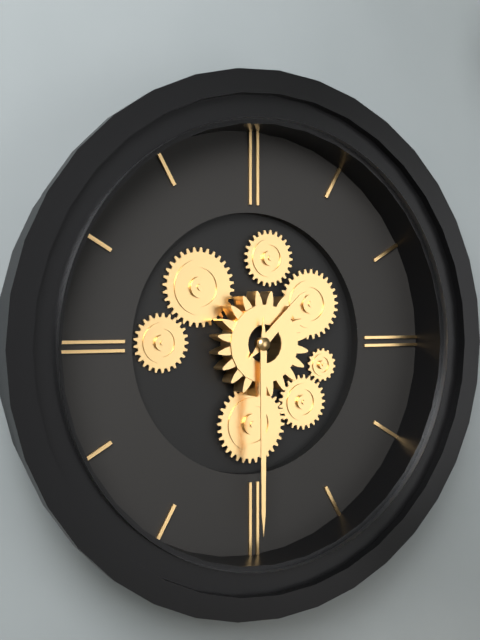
1.30
